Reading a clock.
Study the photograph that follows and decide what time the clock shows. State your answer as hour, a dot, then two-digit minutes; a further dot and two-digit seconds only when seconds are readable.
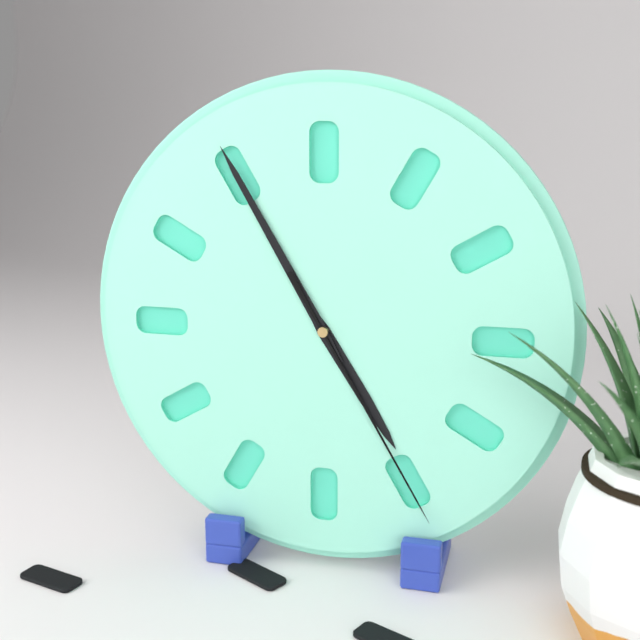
4.55.25
